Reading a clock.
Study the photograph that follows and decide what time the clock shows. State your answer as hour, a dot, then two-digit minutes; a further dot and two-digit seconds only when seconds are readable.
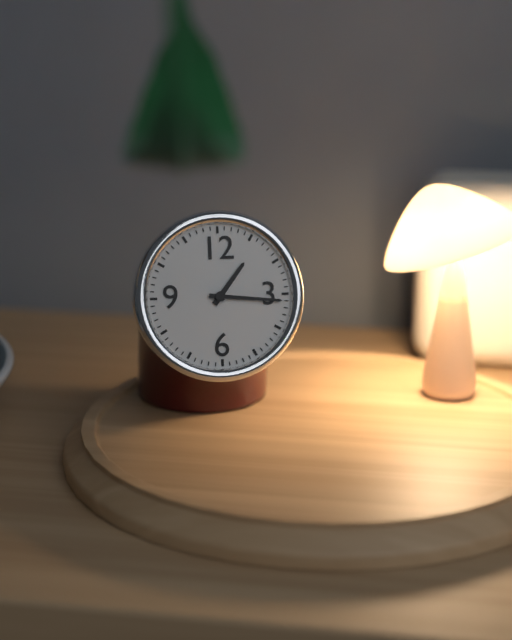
1.16
